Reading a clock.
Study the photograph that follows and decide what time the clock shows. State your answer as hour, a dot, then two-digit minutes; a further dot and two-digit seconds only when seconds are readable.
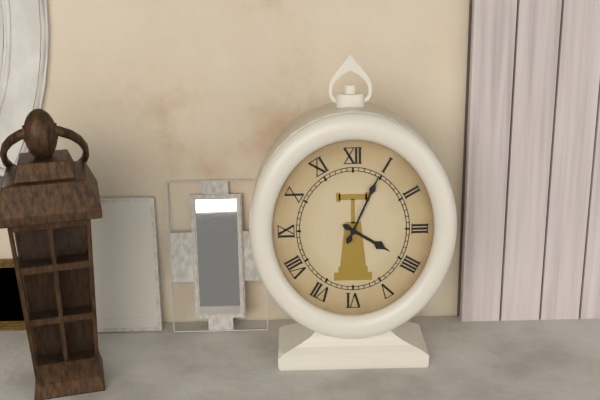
4.04
